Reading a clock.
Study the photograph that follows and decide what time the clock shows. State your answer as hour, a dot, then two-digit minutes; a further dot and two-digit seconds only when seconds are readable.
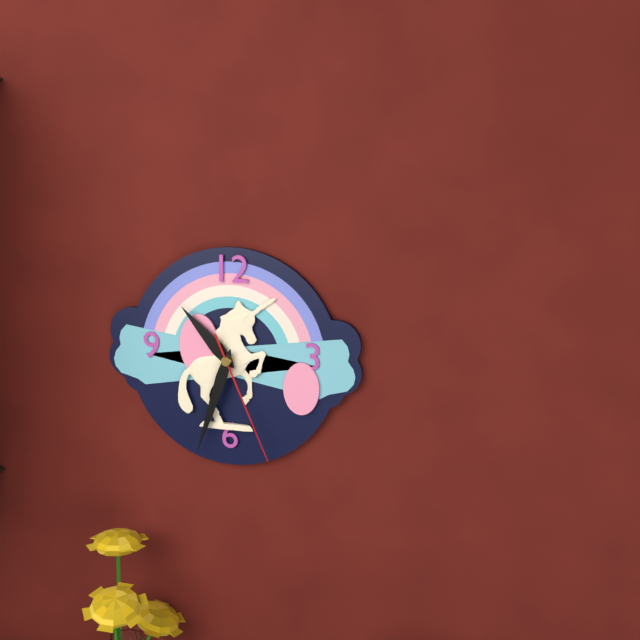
10.33.26
